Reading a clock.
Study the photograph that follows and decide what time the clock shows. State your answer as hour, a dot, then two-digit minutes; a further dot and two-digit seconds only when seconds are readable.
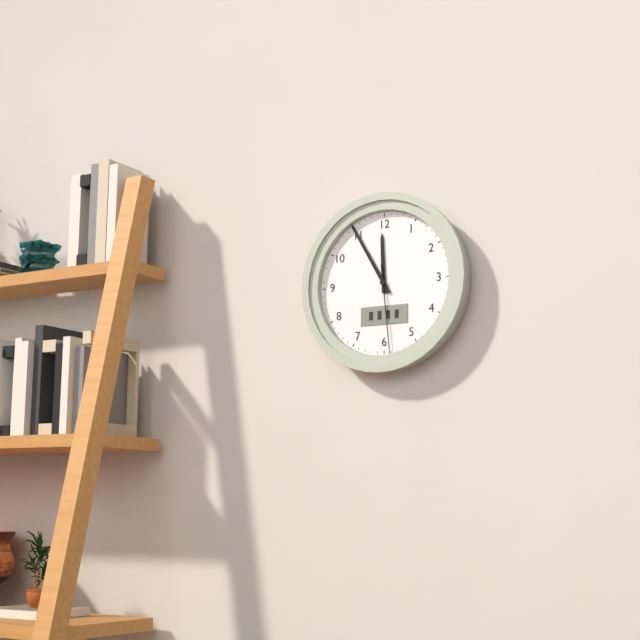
11.55.29
